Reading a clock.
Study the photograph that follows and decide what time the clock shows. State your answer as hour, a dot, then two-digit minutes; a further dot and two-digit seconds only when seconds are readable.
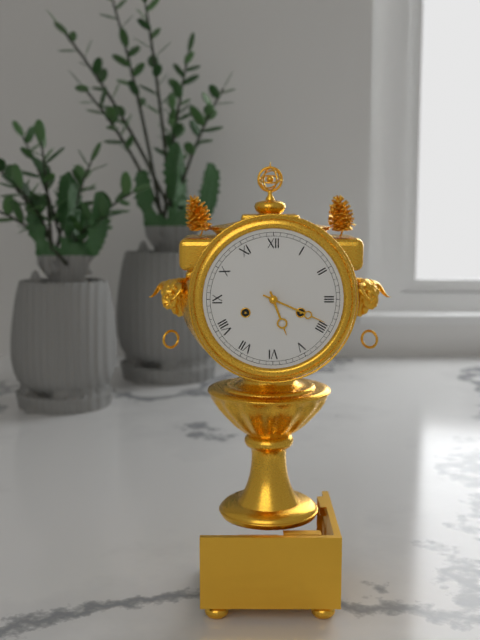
5.19
